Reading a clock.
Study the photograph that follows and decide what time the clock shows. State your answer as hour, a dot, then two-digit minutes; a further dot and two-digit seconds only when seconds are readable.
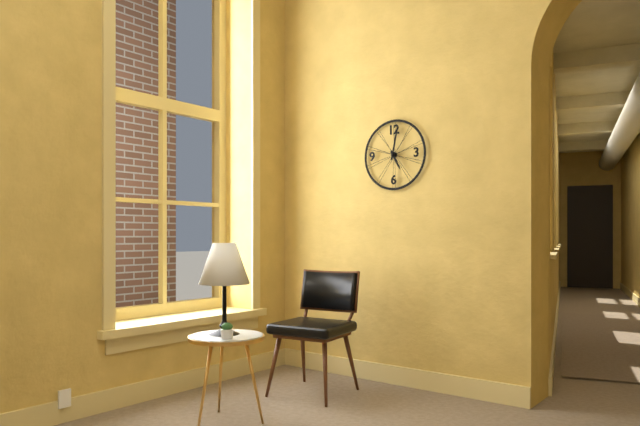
5.02
